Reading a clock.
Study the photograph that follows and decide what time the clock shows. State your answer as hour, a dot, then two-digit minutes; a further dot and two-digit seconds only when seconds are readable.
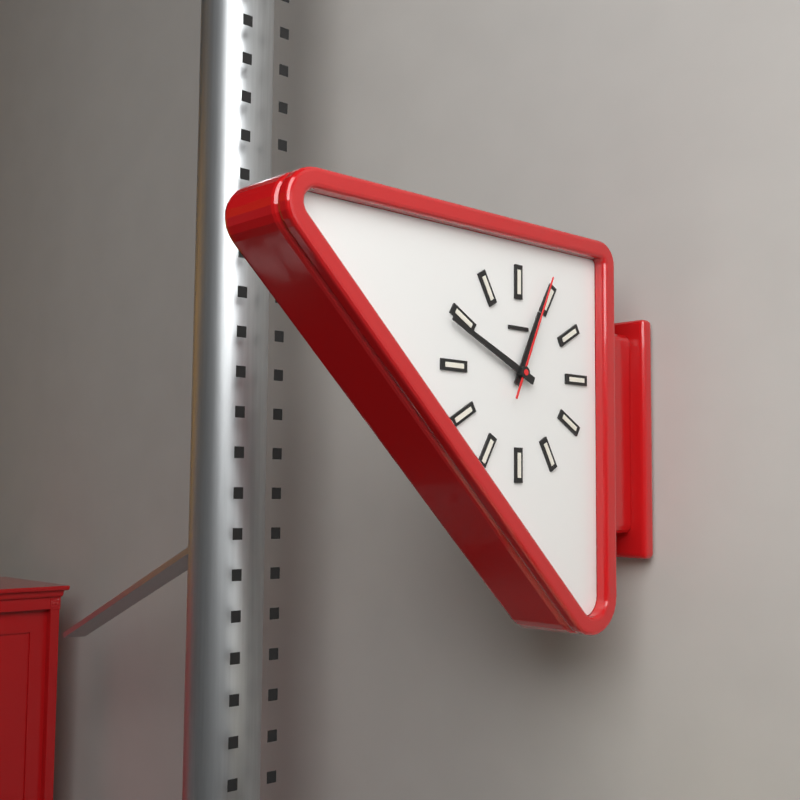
12.49.04
